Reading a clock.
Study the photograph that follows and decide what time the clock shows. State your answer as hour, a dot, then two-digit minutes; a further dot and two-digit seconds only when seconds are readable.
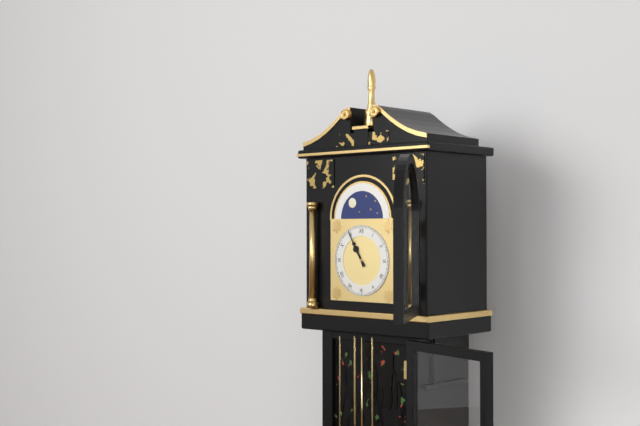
10.55
